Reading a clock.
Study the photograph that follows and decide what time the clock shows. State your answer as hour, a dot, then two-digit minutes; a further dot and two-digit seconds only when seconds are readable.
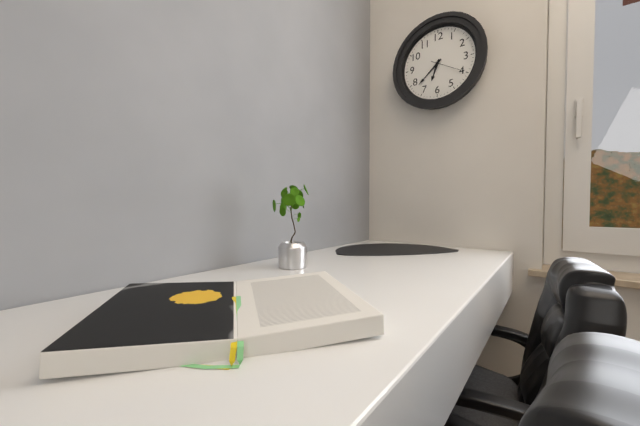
6.38
